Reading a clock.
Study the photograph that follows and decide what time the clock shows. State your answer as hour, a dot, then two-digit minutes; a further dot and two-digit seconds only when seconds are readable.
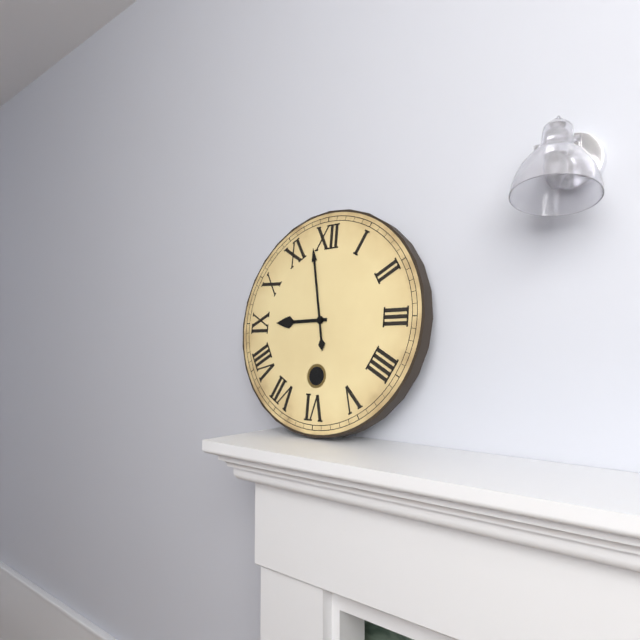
8.58
